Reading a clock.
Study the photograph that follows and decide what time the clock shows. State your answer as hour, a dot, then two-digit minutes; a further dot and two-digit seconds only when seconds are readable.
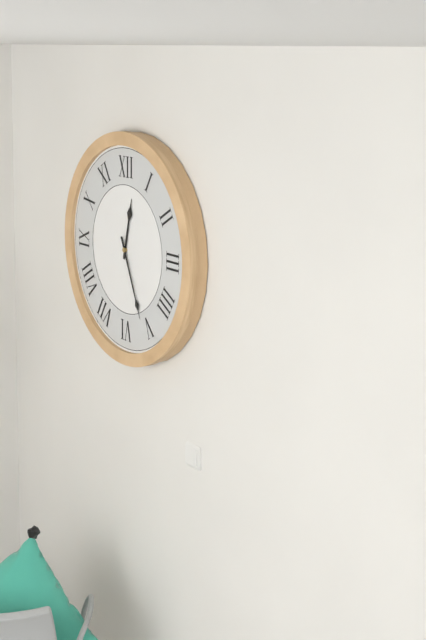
12.26
